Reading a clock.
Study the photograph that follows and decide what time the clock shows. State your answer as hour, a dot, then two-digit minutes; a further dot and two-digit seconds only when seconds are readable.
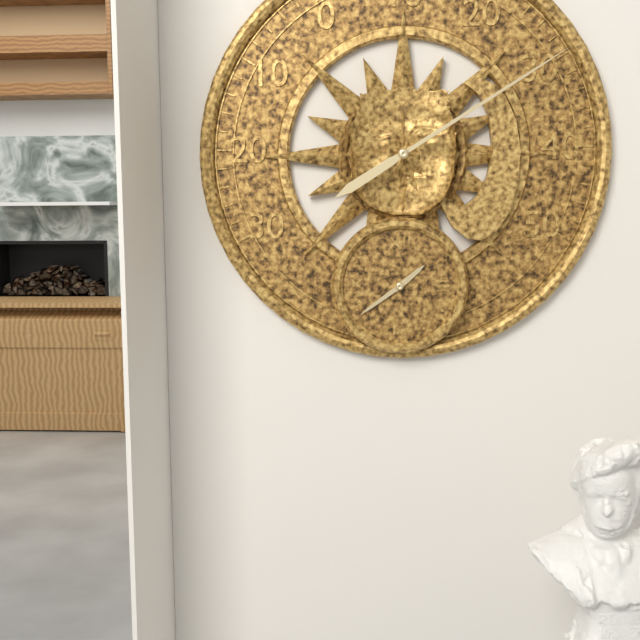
1.39
